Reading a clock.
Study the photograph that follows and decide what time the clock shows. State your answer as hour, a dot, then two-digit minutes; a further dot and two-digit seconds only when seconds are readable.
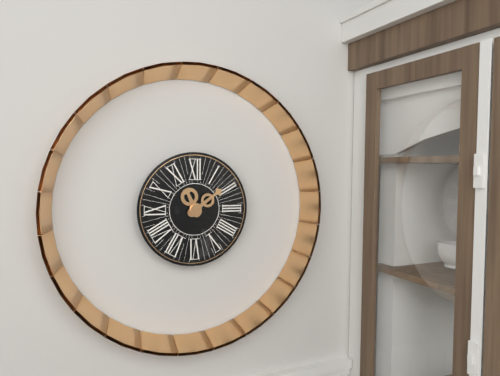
11.09
